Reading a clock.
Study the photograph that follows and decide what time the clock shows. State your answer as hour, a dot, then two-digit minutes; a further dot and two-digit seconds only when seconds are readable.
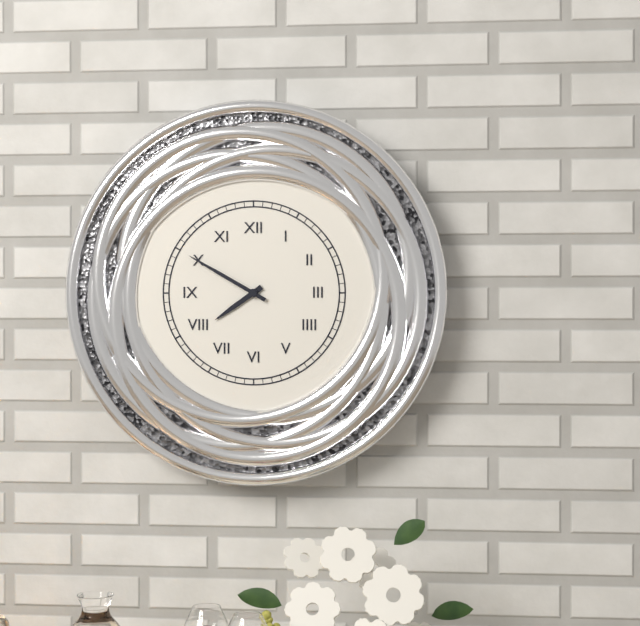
7.50
